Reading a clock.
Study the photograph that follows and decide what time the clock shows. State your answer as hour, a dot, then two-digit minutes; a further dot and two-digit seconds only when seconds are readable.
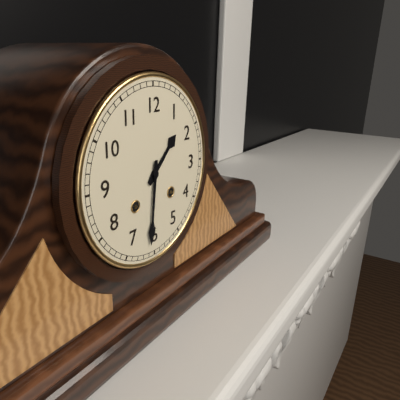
1.31
